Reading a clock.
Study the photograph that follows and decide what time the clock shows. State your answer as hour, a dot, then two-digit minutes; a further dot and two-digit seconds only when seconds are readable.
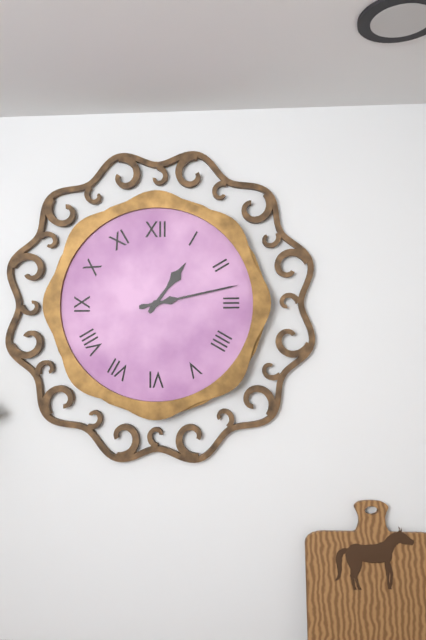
1.13
